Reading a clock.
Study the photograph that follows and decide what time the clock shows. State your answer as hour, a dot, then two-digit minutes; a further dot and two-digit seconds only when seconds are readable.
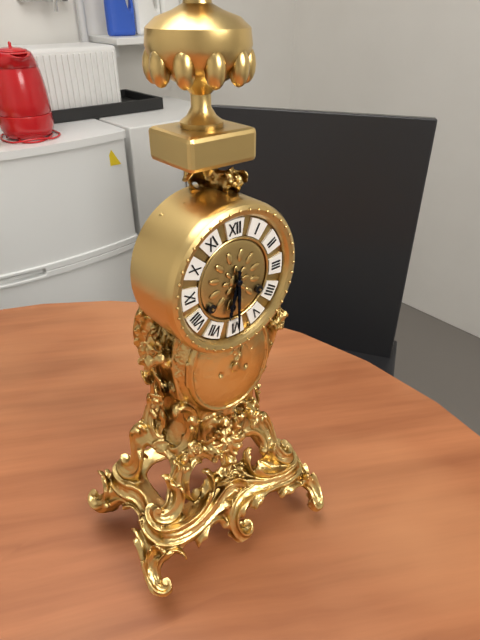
6.30
